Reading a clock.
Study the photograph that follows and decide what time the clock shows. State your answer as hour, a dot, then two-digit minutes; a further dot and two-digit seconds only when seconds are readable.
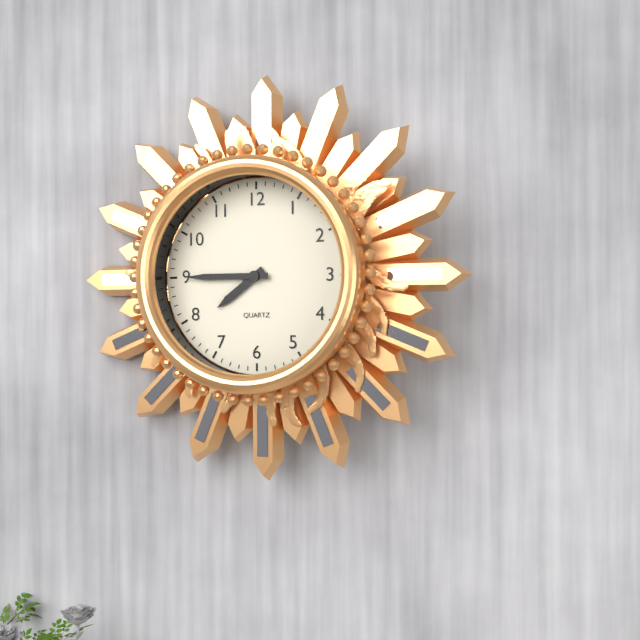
7.45
